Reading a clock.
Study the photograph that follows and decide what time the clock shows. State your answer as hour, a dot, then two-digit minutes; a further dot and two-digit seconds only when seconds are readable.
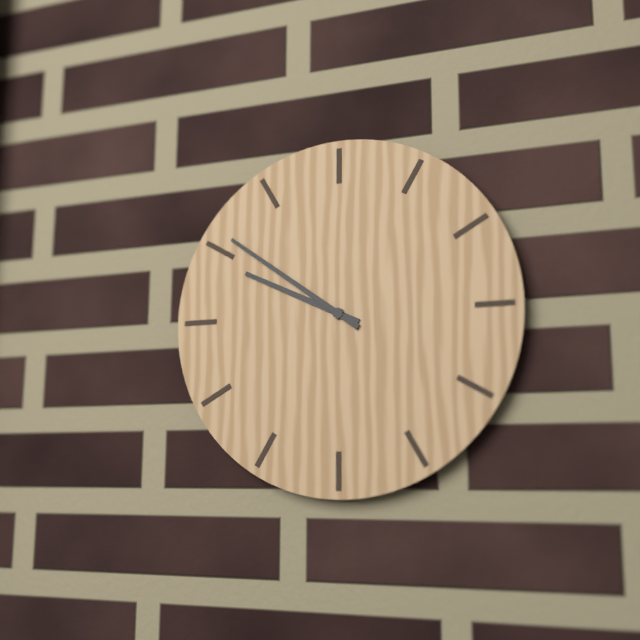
9.51
